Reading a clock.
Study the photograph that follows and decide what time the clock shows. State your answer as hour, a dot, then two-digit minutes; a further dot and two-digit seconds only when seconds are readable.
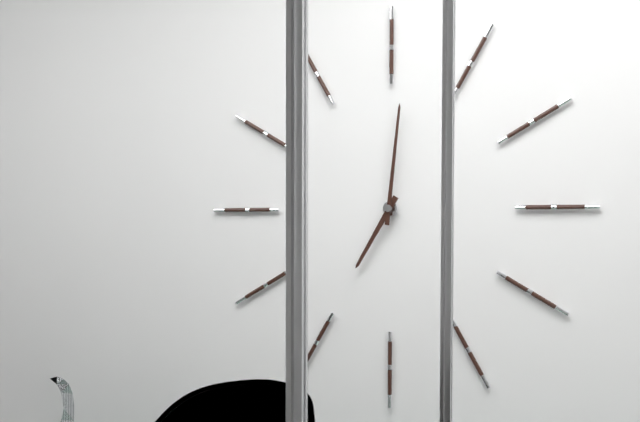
7.01
